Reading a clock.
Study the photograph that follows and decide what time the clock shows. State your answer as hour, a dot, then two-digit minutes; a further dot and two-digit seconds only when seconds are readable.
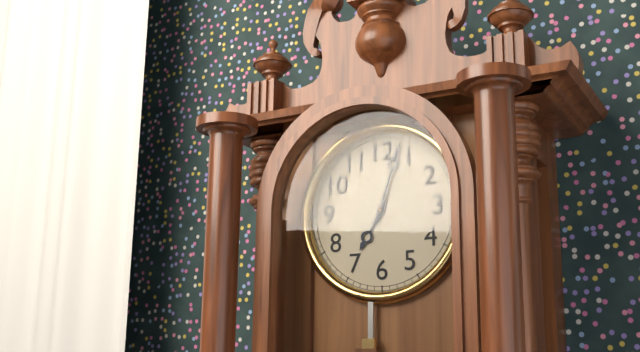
7.03
